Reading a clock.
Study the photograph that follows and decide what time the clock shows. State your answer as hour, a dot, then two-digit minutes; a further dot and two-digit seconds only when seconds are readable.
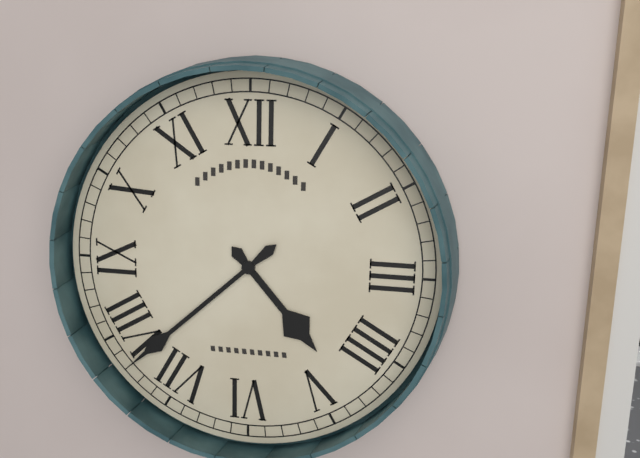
4.38
